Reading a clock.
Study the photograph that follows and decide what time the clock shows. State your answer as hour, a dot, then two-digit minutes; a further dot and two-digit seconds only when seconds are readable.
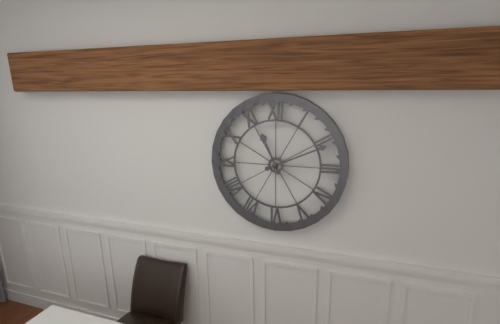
11.11
